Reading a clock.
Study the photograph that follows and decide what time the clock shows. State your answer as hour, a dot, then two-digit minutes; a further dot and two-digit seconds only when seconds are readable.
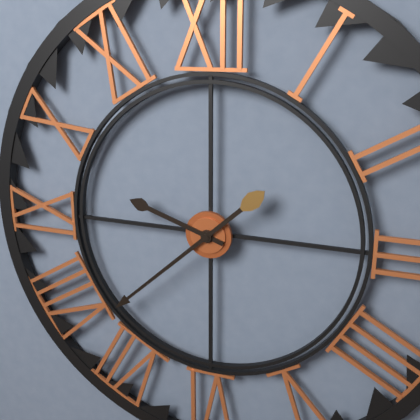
9.38
